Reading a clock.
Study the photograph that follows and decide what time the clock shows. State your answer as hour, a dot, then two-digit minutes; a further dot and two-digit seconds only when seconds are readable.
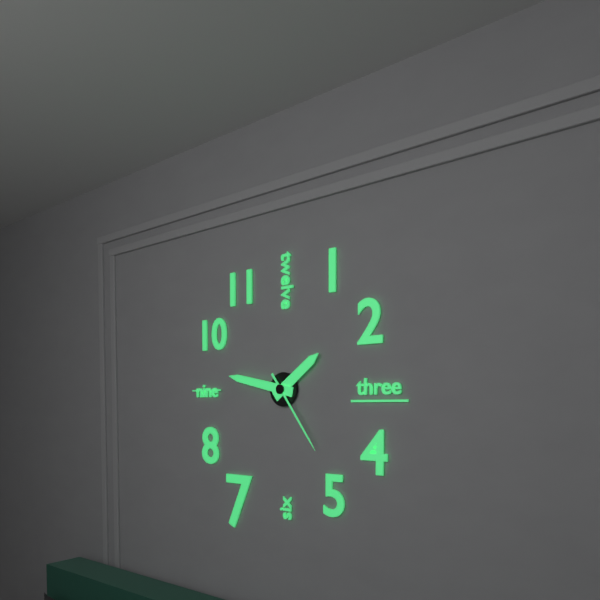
1.47.24
